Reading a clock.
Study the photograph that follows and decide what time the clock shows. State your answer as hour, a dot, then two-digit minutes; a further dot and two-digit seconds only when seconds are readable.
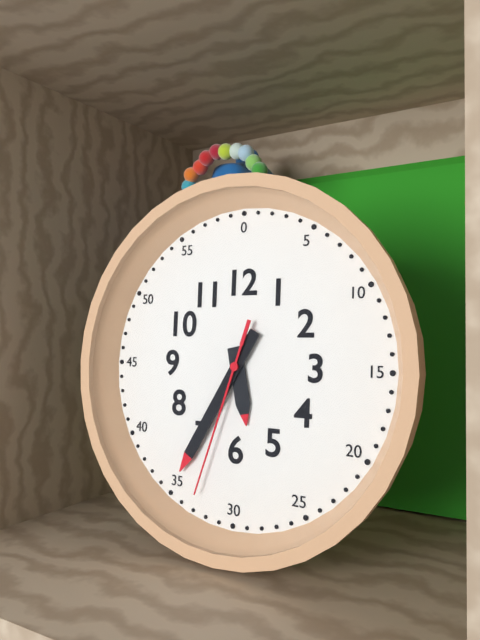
5.35.33
